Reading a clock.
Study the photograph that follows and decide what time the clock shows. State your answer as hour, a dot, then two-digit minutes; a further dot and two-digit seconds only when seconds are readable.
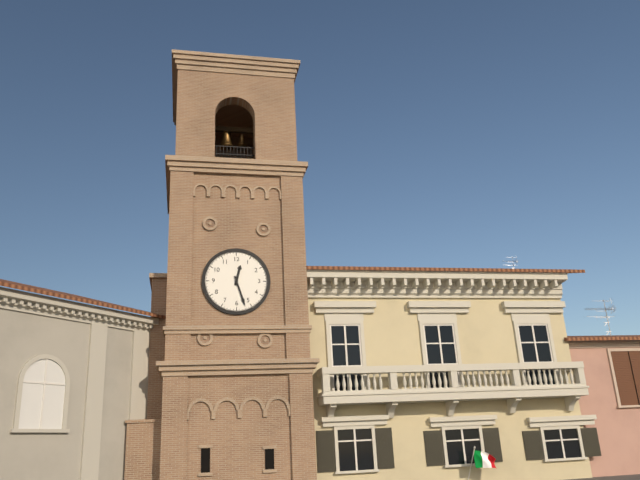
12.27
